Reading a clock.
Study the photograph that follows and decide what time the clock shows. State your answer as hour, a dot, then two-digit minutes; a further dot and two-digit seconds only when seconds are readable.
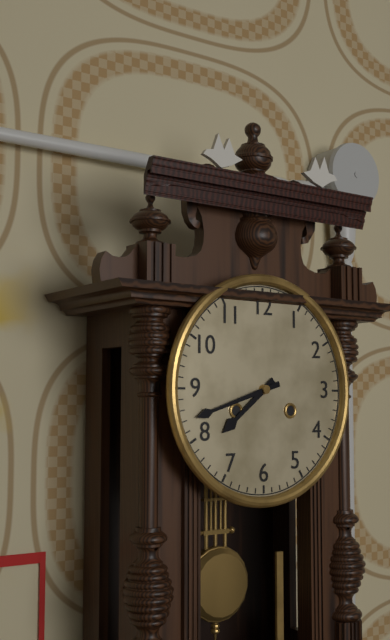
7.42
